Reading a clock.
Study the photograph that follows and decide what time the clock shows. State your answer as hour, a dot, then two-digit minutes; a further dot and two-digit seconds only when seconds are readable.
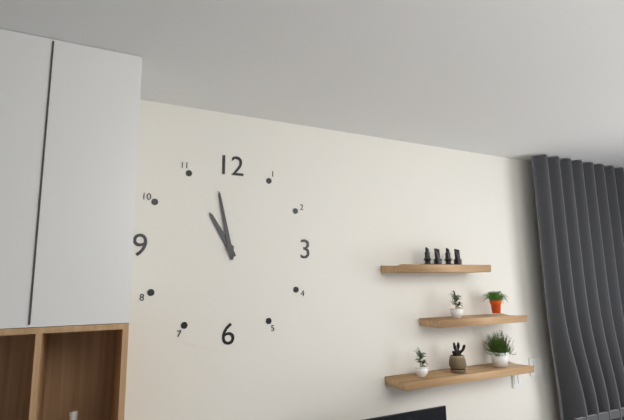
10.58
